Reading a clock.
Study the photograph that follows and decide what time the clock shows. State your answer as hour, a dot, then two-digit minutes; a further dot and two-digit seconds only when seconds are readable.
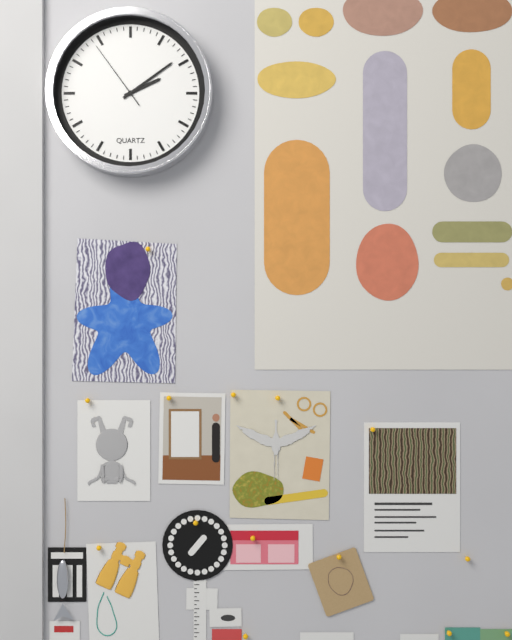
2.09.54
